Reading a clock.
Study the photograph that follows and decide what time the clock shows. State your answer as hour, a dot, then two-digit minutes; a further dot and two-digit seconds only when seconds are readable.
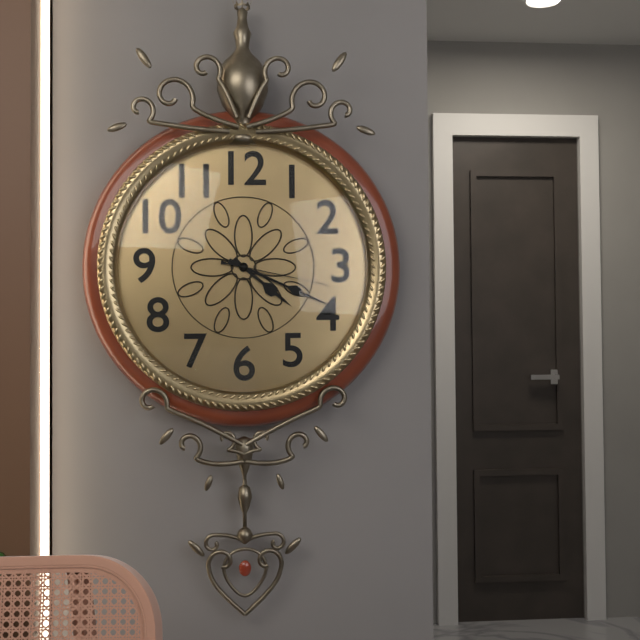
4.19.17
